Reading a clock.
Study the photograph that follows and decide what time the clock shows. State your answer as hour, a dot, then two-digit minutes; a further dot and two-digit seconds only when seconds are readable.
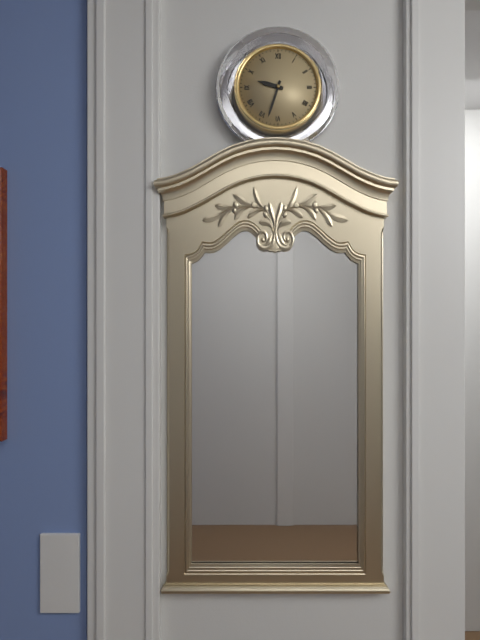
9.33
